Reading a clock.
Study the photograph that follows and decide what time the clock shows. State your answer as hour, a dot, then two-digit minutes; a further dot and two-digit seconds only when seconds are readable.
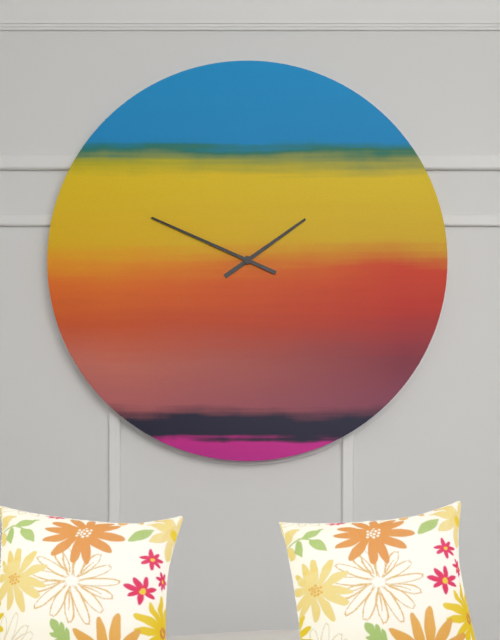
1.49
